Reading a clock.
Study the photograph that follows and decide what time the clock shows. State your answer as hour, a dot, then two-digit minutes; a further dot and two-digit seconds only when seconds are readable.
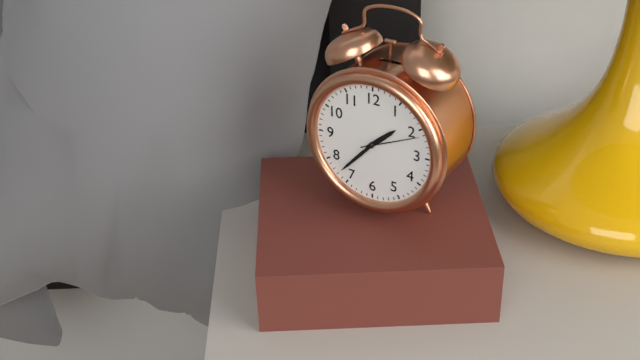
1.37.11
